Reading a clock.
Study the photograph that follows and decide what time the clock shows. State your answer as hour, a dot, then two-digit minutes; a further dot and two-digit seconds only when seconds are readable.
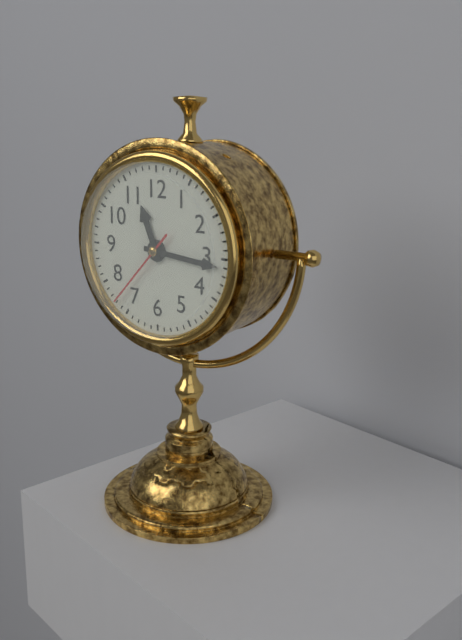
11.16.37
